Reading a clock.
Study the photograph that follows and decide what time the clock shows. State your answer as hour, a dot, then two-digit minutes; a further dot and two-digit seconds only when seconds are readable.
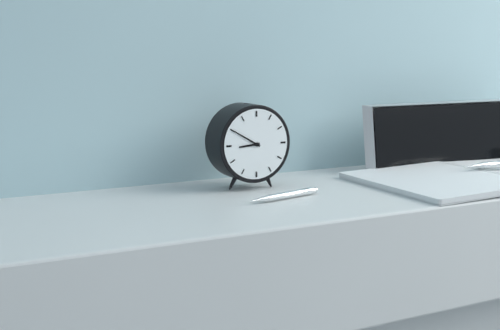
8.50
